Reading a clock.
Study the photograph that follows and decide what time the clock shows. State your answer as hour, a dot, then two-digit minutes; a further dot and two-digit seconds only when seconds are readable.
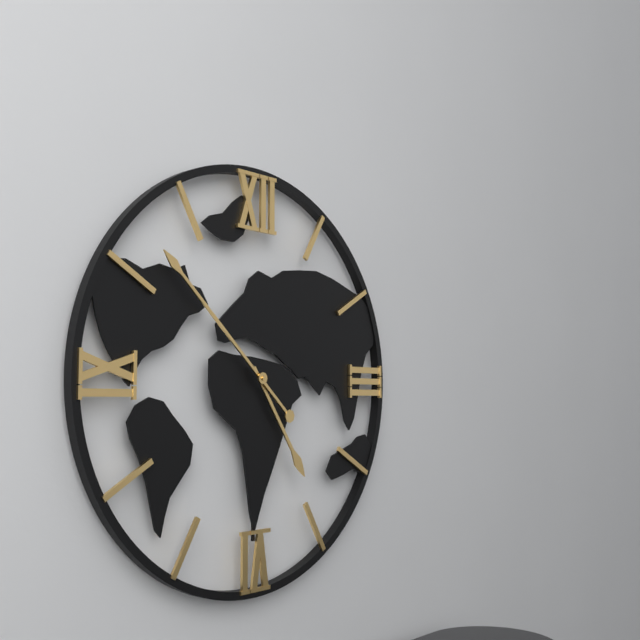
4.52
